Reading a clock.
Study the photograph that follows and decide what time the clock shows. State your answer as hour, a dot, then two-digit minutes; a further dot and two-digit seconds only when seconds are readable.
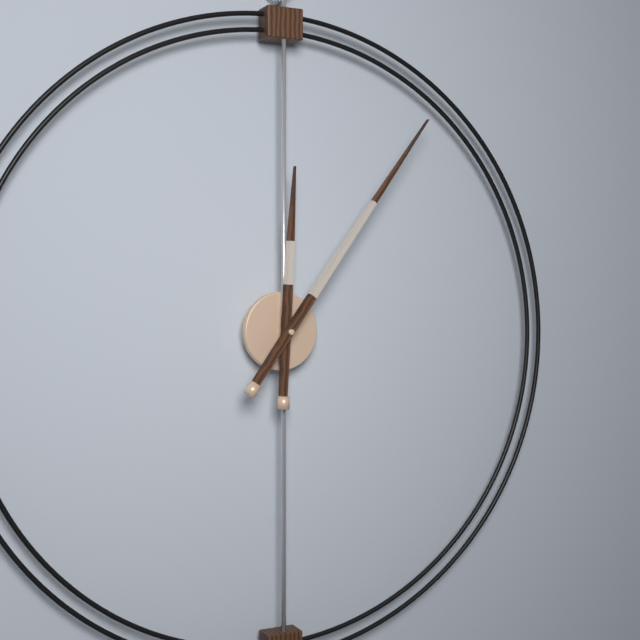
12.06
